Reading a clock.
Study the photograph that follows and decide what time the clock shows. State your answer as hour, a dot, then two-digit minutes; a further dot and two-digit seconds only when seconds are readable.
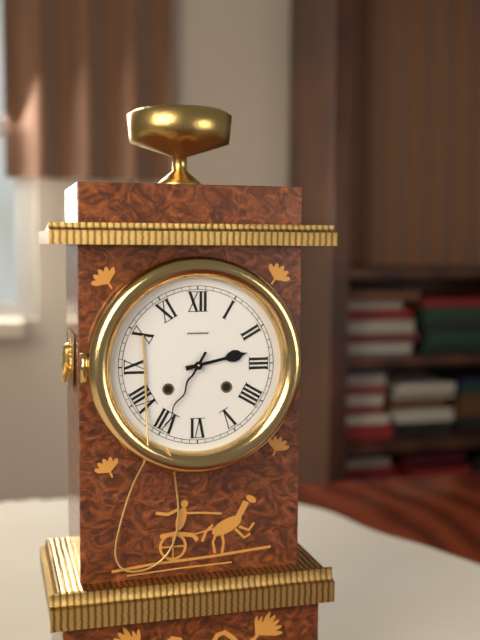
2.35
